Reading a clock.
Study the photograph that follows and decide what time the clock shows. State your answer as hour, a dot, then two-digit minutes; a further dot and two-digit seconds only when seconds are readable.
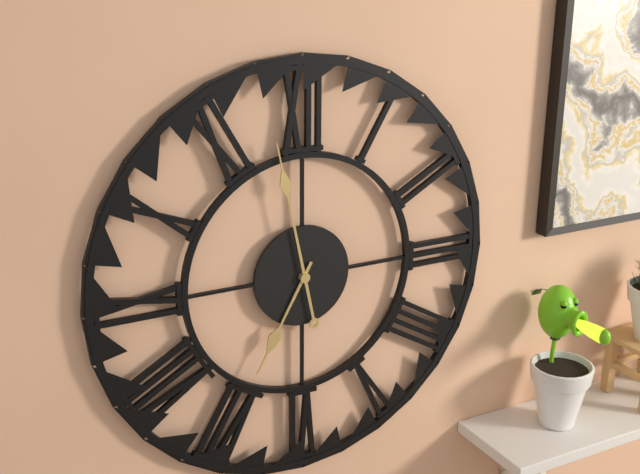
6.58
